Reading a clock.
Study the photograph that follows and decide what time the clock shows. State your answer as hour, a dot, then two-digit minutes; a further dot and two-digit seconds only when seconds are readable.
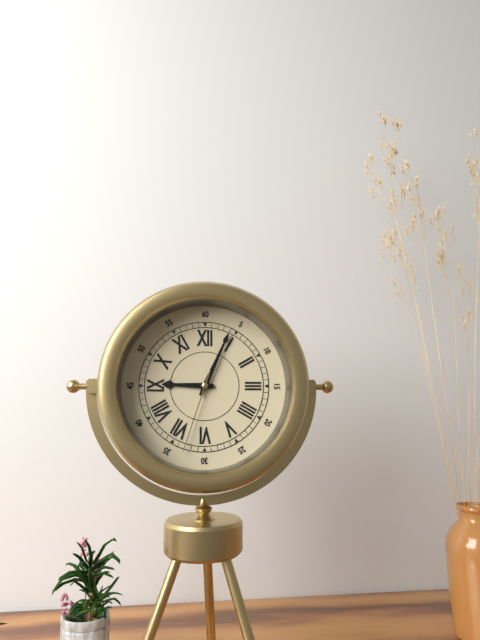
9.04.33
